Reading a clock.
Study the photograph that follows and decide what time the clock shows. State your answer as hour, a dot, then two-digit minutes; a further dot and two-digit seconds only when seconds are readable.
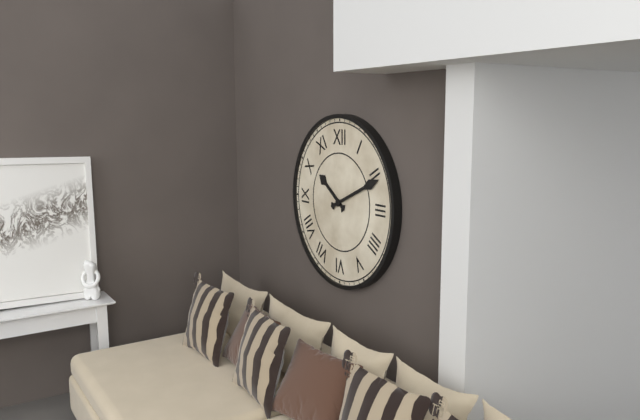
10.11
